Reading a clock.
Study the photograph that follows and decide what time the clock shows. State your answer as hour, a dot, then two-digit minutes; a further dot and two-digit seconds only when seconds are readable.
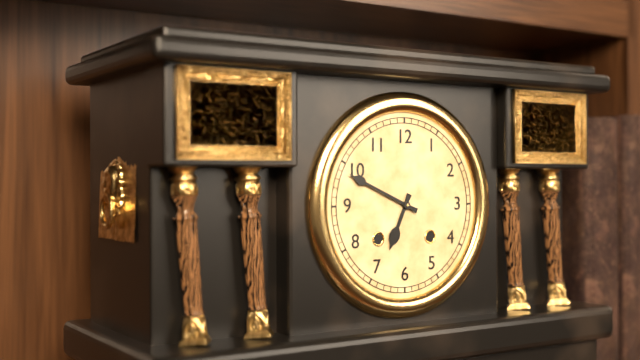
6.49
